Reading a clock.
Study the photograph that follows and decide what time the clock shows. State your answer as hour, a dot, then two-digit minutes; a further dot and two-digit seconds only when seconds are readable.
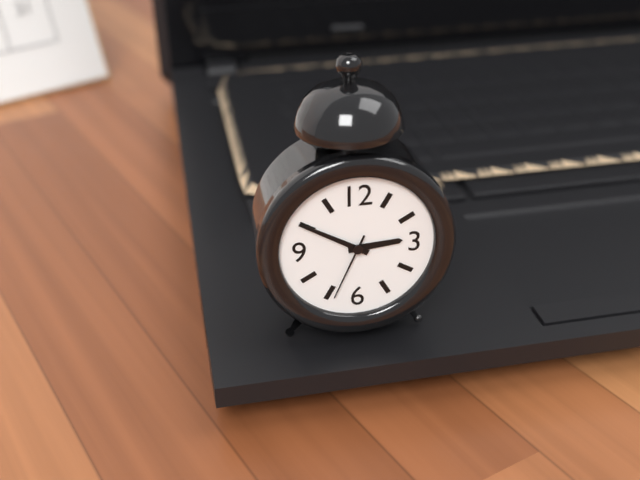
2.50.34
